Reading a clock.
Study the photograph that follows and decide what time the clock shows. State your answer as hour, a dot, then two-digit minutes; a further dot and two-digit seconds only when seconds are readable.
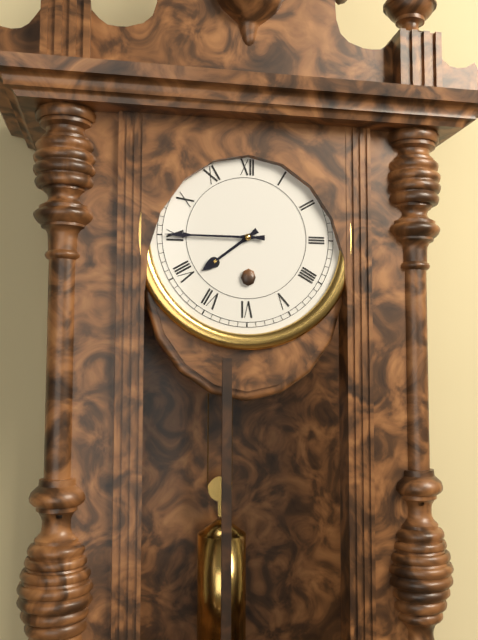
7.45
